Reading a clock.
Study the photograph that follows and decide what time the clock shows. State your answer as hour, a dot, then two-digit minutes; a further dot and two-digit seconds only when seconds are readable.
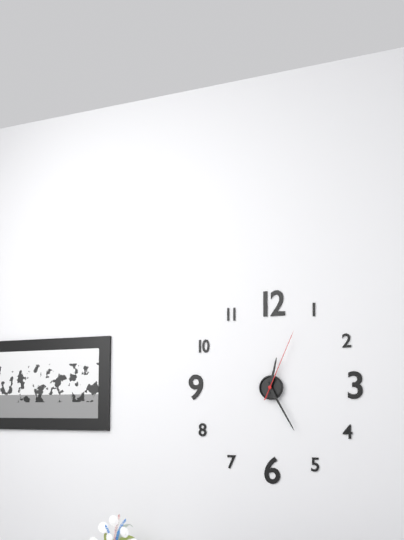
12.25.04
